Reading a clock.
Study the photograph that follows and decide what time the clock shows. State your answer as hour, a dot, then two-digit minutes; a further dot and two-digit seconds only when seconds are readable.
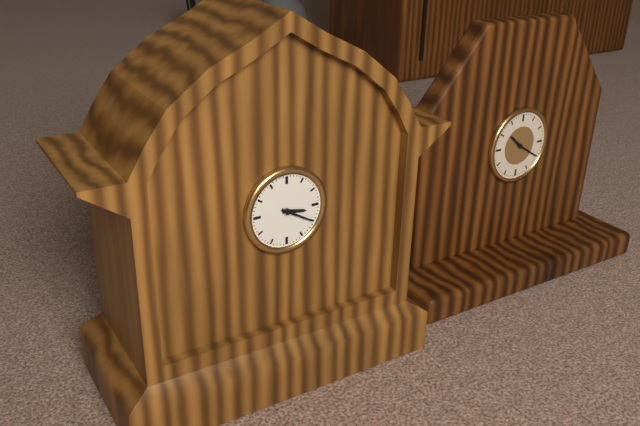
3.20
